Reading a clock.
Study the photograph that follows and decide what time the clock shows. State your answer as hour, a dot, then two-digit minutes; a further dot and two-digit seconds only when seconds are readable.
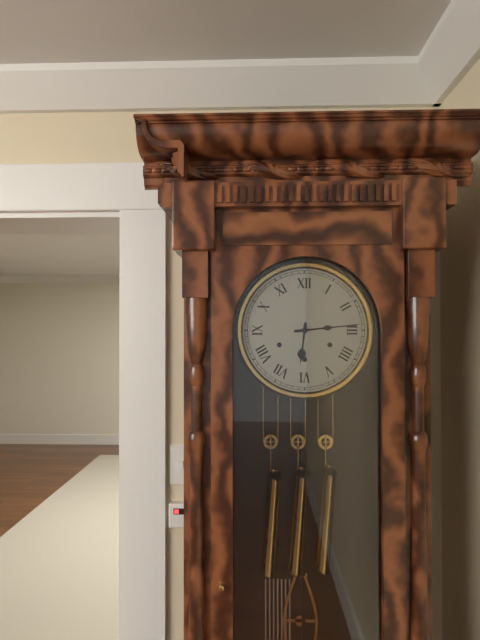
6.14
